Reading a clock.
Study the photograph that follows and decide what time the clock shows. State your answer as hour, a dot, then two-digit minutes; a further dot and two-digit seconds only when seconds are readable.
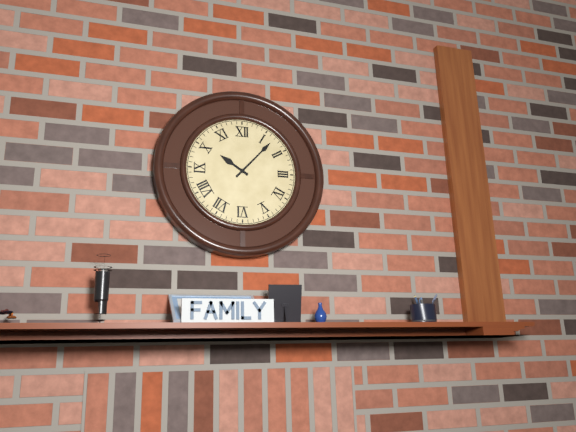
10.07
